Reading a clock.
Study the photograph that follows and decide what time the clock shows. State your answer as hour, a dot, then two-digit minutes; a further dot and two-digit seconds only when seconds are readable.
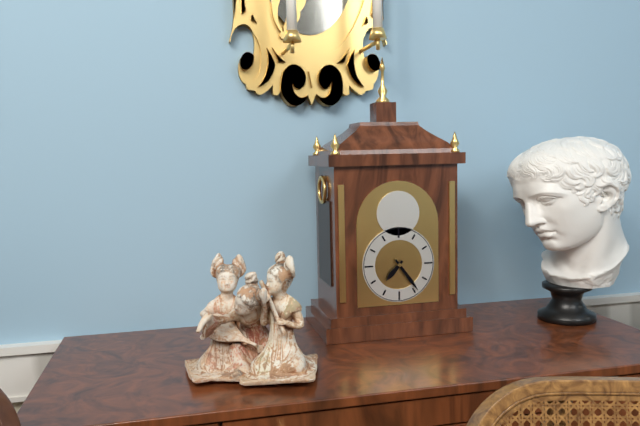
7.24
